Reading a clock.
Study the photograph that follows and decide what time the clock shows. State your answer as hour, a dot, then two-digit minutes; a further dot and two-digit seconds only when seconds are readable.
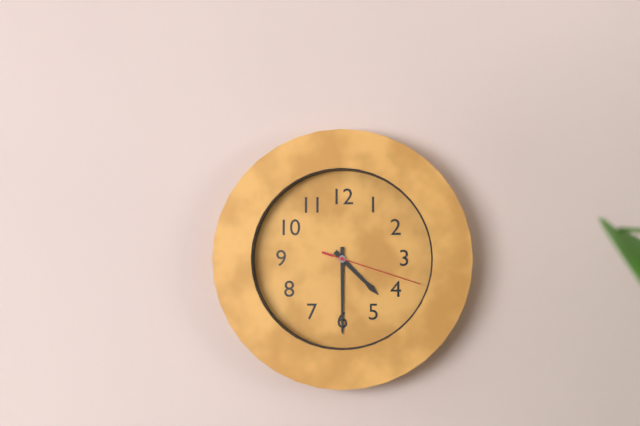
4.30.18
